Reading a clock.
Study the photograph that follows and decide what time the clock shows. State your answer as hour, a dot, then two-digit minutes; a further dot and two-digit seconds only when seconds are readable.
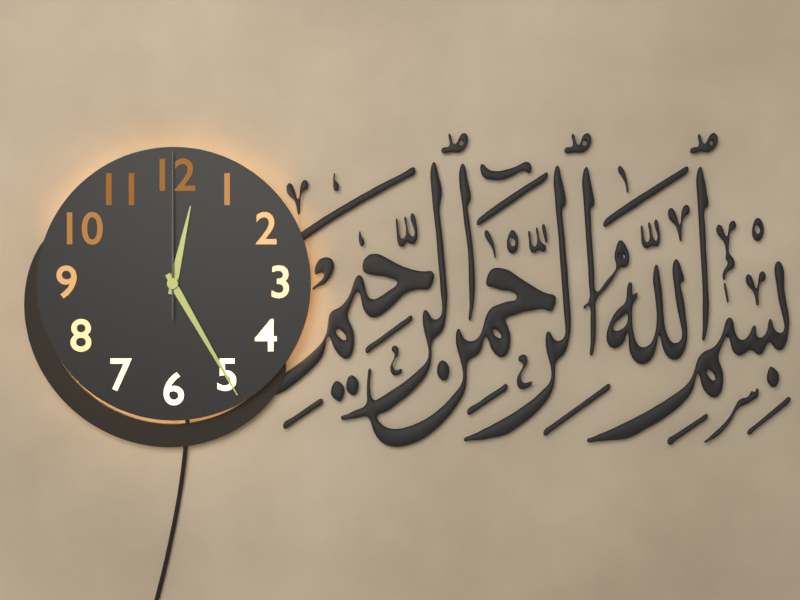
12.25.00
